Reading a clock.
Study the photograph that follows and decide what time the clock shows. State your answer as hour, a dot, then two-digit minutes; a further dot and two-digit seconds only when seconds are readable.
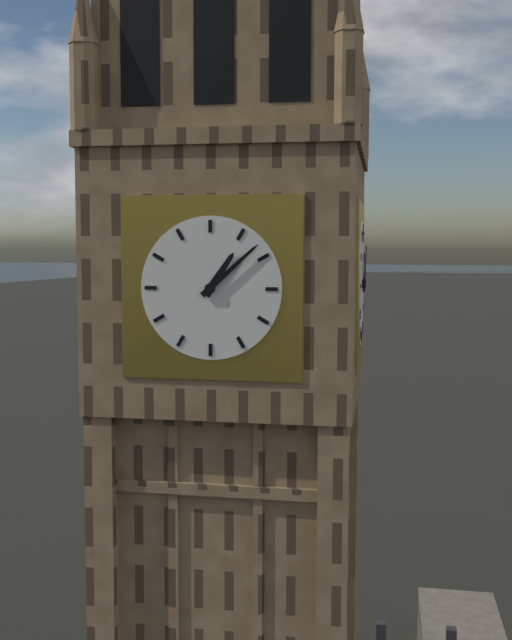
1.08
